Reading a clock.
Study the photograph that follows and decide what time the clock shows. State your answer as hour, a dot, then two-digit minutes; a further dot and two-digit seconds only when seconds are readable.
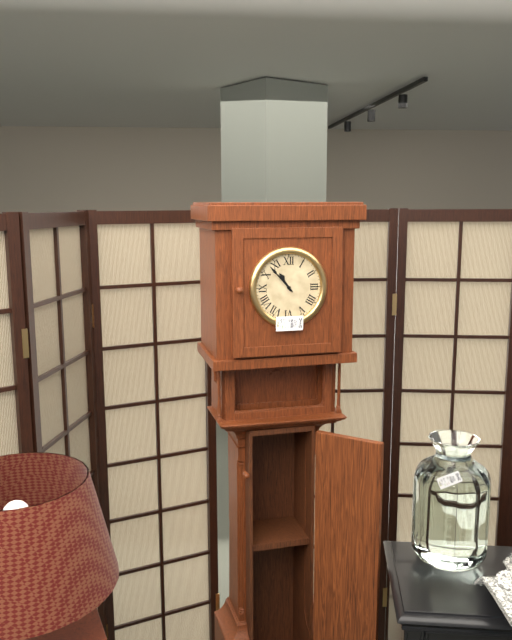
10.53
